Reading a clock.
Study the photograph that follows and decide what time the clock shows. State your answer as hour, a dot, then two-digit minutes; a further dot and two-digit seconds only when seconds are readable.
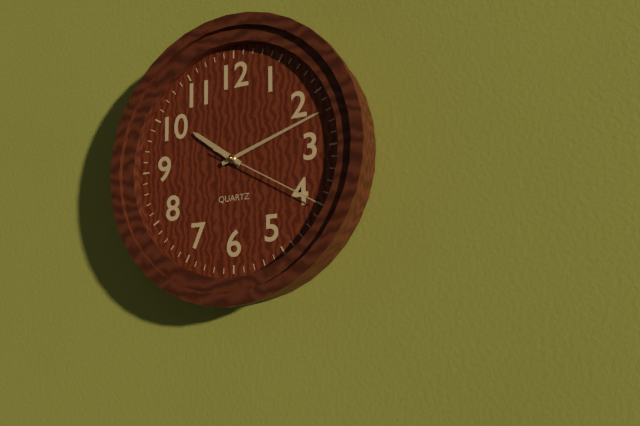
10.12.20
